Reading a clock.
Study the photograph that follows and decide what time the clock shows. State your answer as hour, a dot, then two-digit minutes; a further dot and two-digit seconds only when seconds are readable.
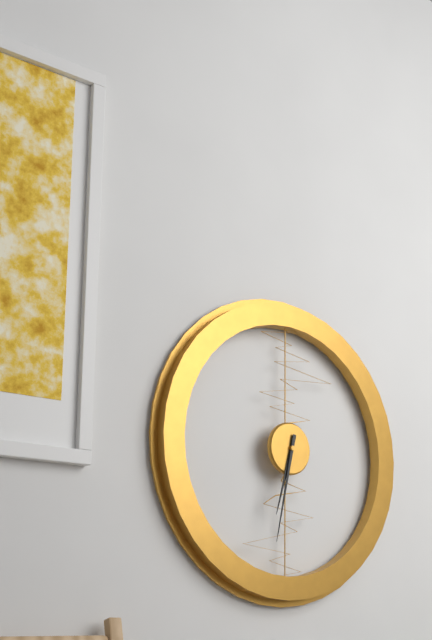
6.32
